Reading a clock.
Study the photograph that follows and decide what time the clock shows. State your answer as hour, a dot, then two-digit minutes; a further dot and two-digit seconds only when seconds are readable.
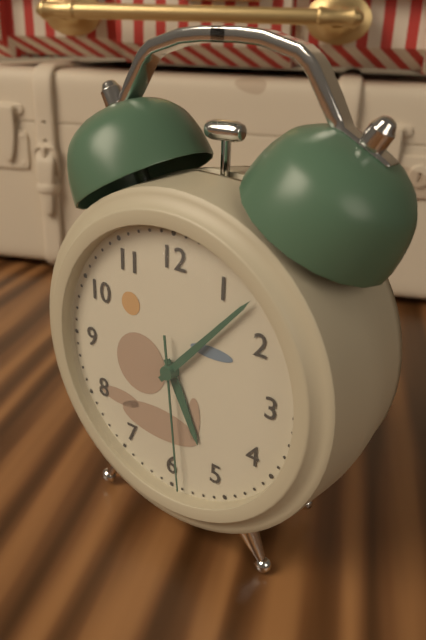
5.07.29
